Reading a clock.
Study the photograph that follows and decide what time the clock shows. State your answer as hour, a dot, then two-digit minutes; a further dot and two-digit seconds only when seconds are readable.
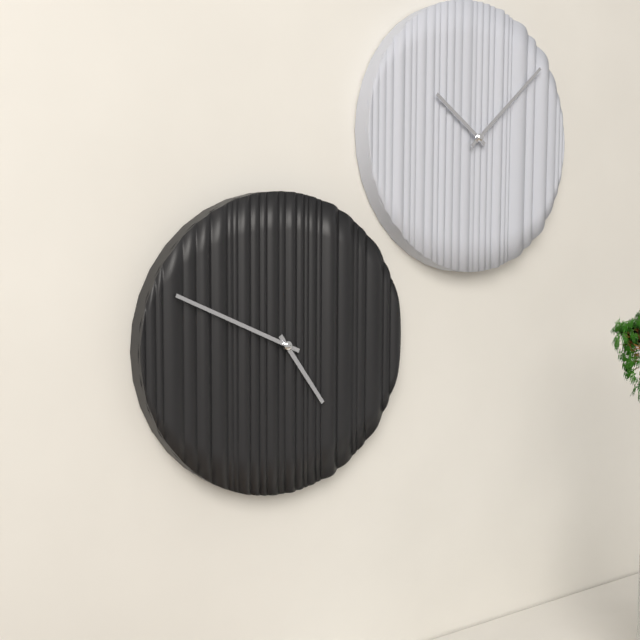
4.49
